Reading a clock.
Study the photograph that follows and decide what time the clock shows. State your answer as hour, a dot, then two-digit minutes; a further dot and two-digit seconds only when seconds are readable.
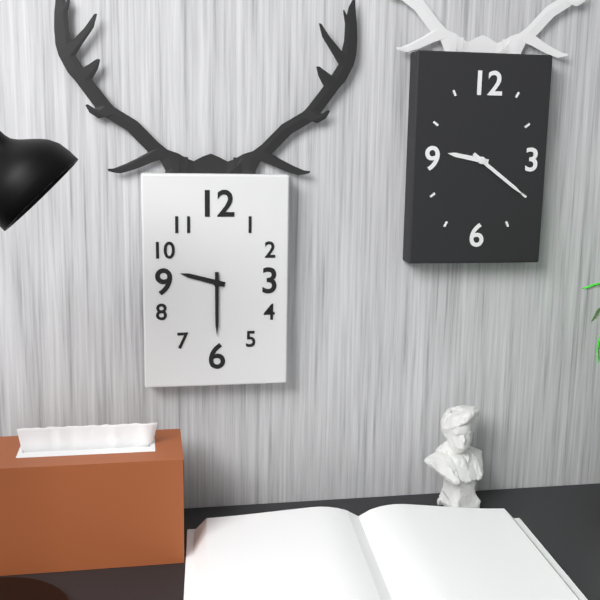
9.30
